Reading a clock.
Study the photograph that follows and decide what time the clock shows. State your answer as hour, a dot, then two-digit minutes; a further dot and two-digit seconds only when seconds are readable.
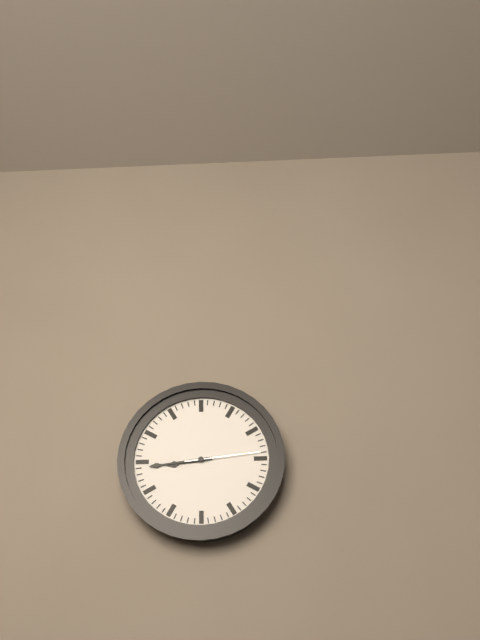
8.44.14
